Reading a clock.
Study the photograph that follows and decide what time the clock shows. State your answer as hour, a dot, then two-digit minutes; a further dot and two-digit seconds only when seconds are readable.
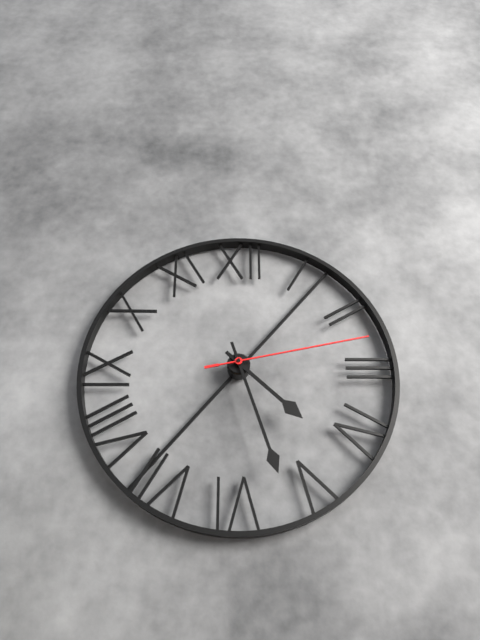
4.27.13
